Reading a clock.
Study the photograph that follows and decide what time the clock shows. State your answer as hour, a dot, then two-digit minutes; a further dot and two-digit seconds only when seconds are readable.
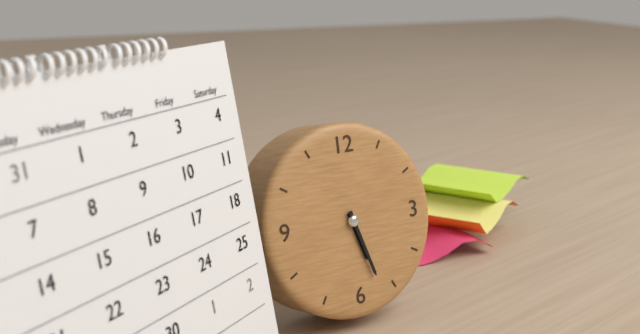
5.27
